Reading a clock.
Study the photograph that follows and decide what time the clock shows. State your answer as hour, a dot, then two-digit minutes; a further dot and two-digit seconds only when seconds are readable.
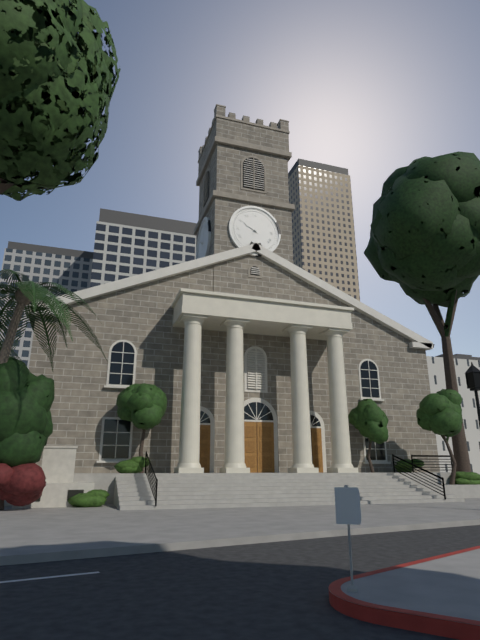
10.05
